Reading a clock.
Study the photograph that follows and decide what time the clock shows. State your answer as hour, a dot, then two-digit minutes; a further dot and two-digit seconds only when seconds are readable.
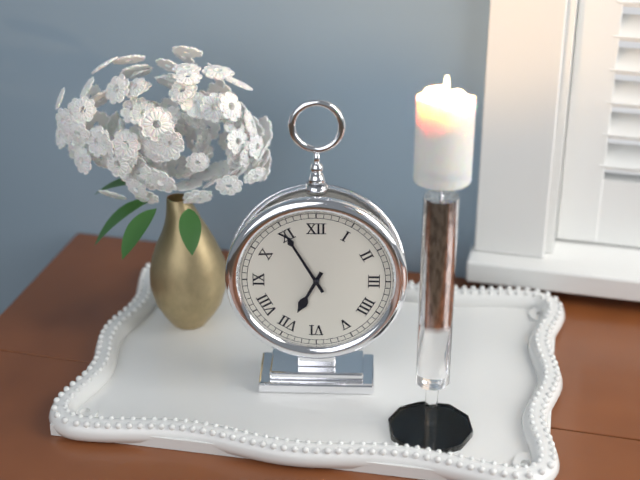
6.55
